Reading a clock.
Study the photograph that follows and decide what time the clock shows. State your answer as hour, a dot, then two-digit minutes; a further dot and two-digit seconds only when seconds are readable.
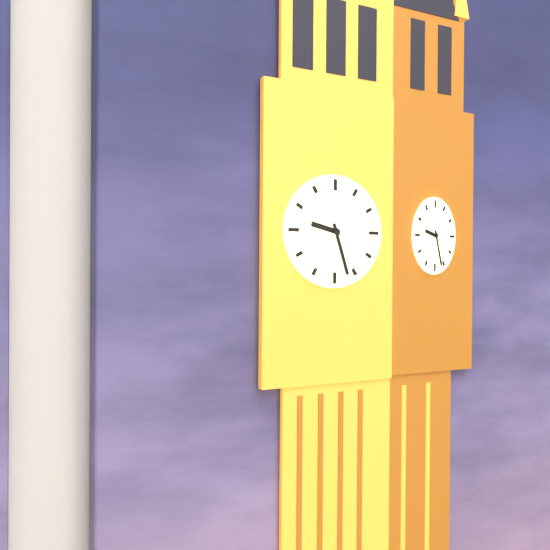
9.27
